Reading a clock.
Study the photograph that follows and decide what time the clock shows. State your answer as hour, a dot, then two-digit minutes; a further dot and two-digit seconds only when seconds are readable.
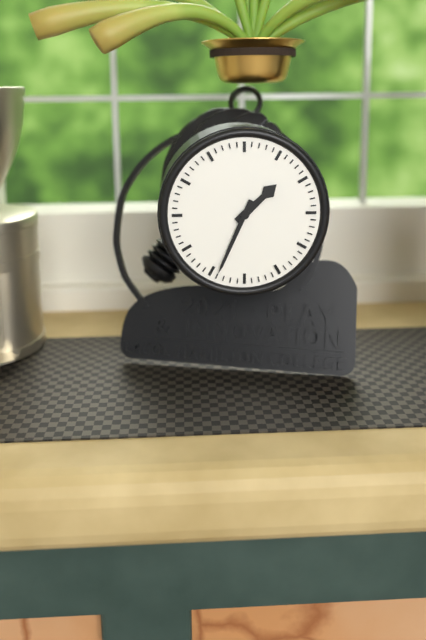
1.34
